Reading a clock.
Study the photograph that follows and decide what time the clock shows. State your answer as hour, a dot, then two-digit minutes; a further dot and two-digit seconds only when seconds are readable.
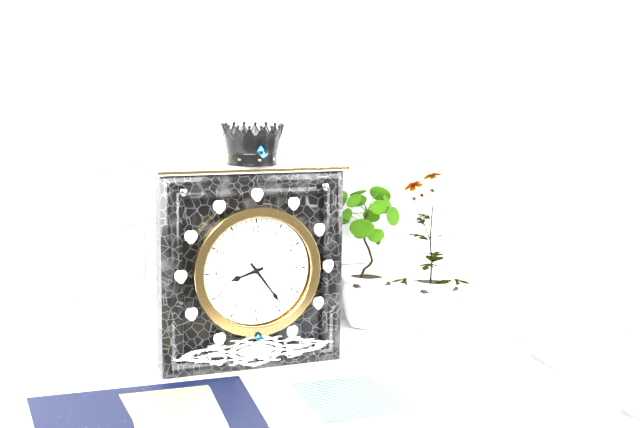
8.24
